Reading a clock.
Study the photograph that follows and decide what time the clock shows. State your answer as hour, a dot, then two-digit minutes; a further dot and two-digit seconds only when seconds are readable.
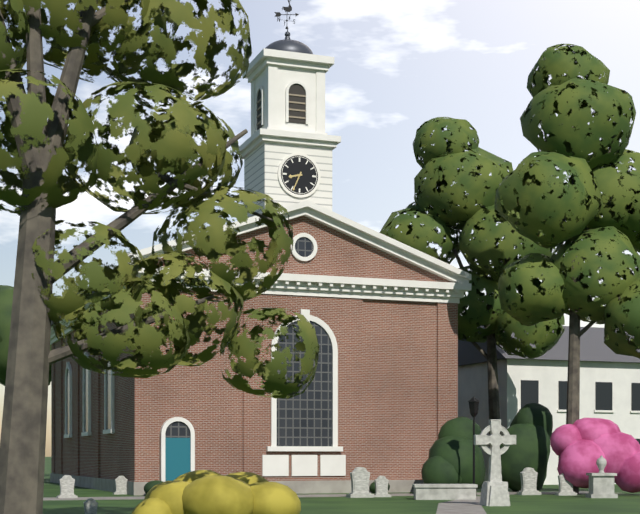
8.34
